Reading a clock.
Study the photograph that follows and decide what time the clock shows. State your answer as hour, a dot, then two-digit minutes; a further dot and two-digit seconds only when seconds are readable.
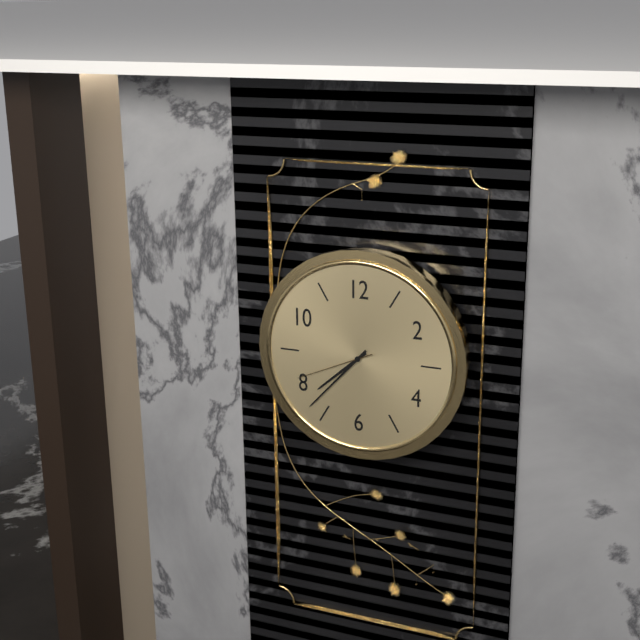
7.37.41
